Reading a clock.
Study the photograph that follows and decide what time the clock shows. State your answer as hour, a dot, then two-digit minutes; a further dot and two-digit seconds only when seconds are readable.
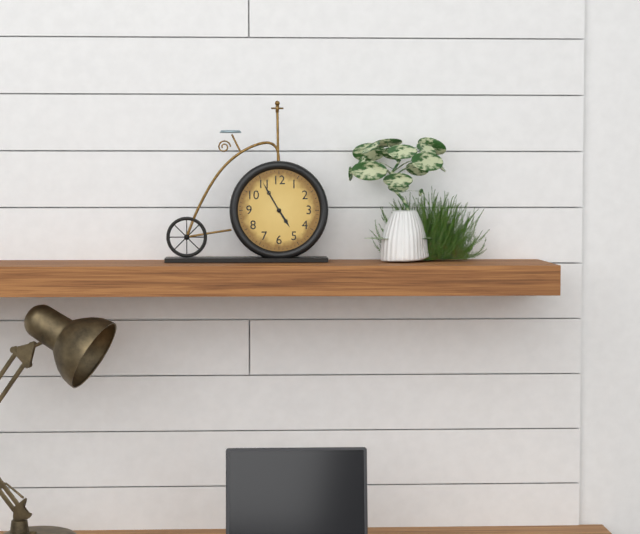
4.55
